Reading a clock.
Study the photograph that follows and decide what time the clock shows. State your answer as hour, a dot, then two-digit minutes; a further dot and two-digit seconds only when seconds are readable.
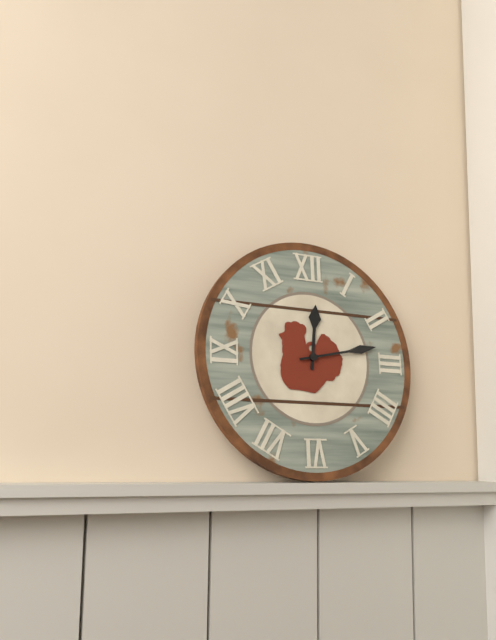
12.13
